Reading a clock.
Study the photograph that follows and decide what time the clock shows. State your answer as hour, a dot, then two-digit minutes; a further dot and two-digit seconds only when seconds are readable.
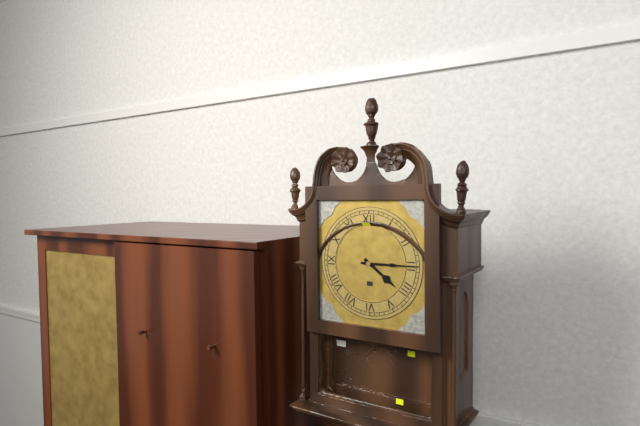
4.15
